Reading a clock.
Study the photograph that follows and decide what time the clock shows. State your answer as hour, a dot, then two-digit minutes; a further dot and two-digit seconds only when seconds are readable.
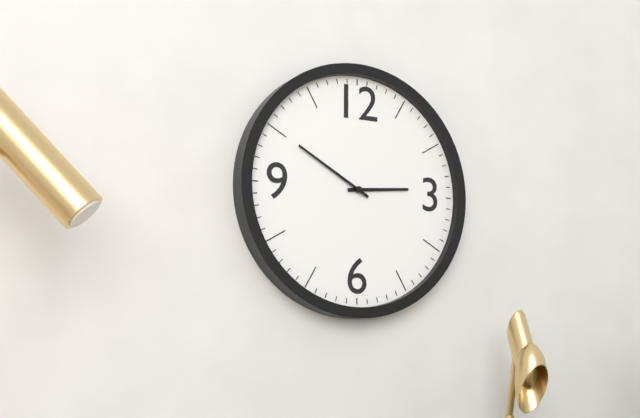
2.50
